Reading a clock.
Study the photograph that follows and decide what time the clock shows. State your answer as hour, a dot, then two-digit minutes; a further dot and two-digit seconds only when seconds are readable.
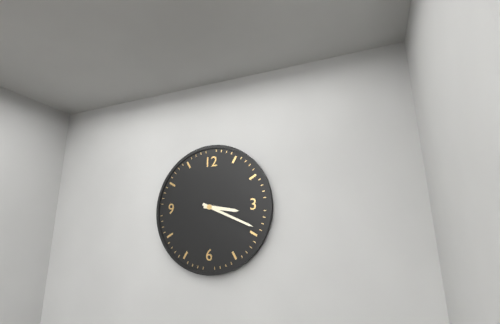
3.19
